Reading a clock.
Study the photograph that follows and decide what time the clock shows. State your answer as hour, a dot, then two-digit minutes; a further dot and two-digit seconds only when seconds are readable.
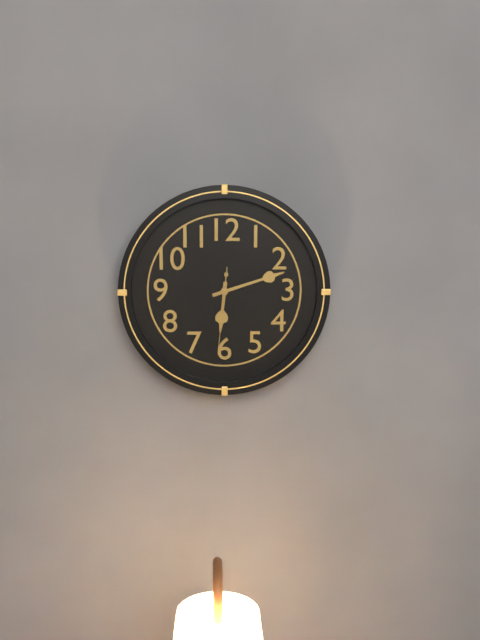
6.12.31
